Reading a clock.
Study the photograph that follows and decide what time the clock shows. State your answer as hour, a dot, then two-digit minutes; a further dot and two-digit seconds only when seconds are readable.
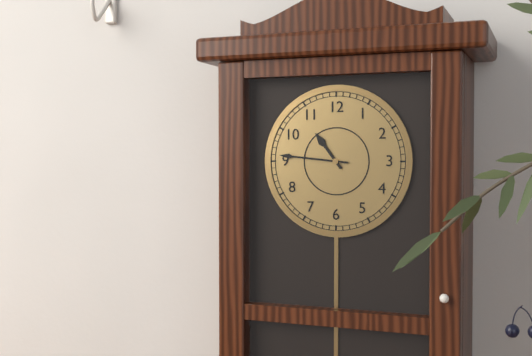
10.46
